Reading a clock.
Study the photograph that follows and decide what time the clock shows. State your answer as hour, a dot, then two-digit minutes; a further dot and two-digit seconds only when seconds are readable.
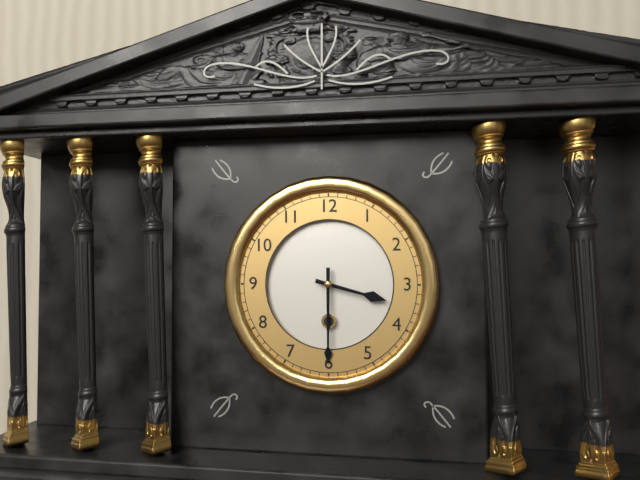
3.30
